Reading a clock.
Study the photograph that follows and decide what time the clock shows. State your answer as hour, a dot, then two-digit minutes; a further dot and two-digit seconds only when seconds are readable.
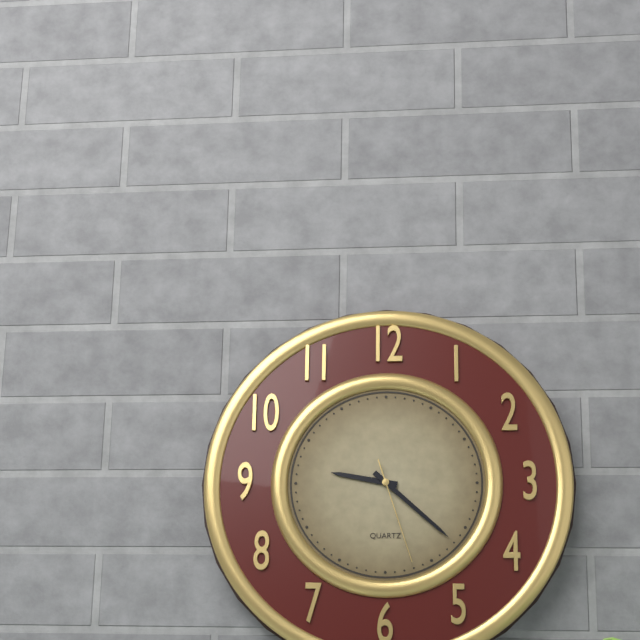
9.22.27
